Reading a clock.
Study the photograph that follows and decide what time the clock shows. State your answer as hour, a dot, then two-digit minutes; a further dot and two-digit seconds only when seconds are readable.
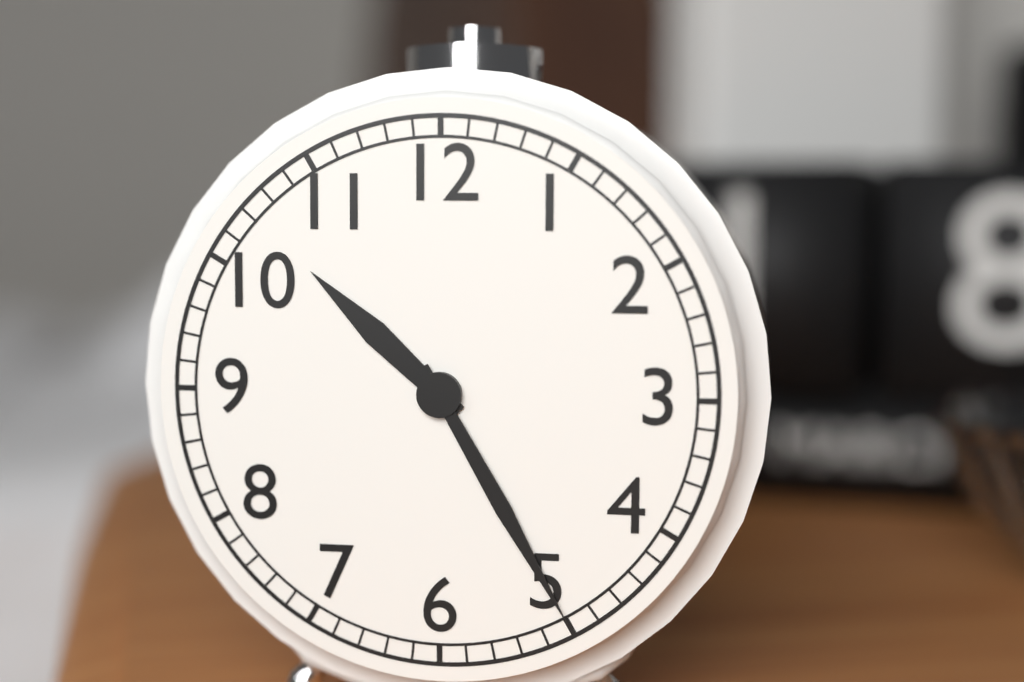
10.25
